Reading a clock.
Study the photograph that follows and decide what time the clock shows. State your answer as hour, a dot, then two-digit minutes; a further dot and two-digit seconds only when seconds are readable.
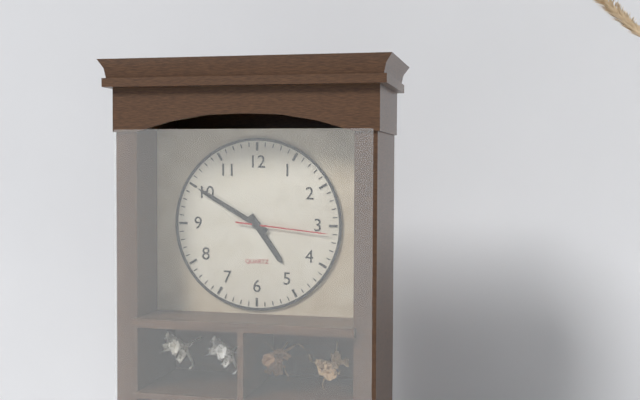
4.50.16
